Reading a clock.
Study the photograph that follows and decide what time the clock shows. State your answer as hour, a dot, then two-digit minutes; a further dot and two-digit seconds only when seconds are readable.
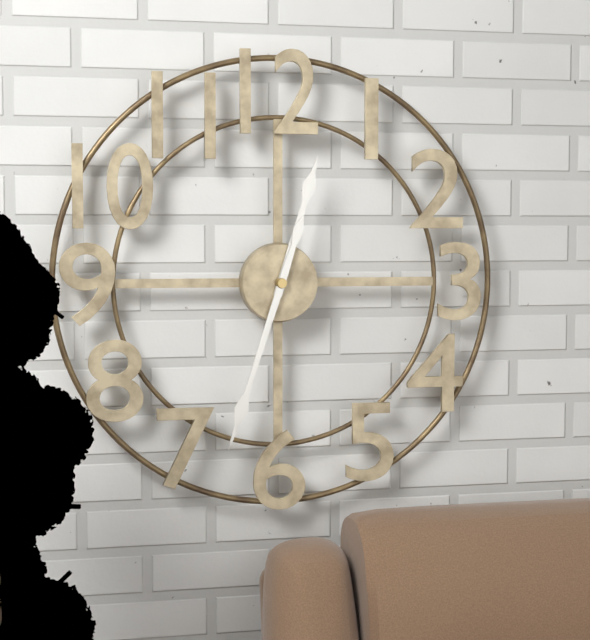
12.33
